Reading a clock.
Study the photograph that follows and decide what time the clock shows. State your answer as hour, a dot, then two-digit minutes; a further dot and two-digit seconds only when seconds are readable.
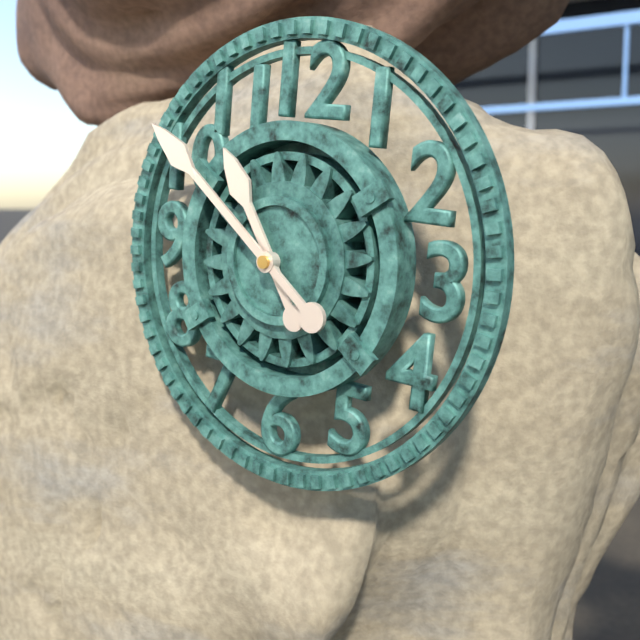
10.51
